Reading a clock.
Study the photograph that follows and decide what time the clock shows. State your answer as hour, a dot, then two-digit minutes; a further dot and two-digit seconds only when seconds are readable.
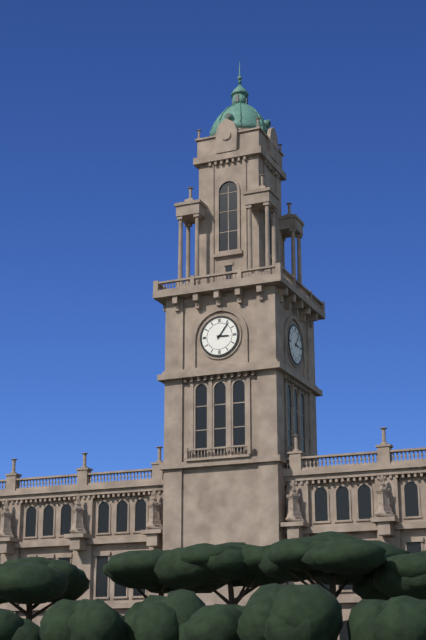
3.06
